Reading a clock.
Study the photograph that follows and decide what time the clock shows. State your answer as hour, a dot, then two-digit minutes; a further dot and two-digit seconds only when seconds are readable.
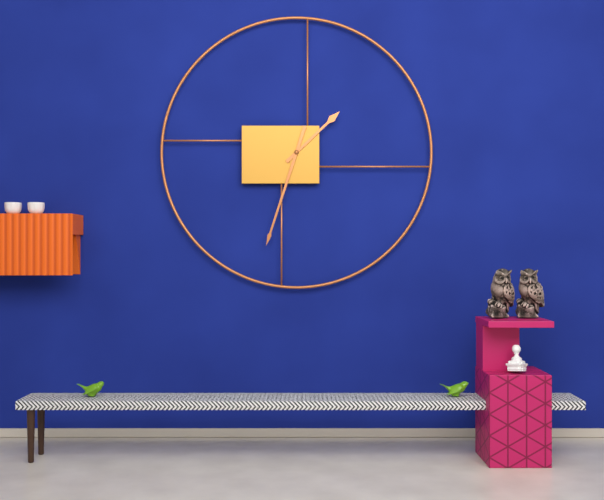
1.33
